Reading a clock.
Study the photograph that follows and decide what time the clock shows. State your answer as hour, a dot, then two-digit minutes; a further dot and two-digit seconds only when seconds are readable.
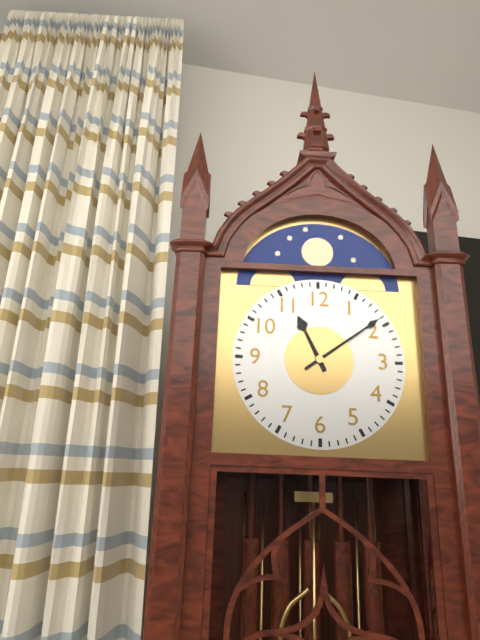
11.09
